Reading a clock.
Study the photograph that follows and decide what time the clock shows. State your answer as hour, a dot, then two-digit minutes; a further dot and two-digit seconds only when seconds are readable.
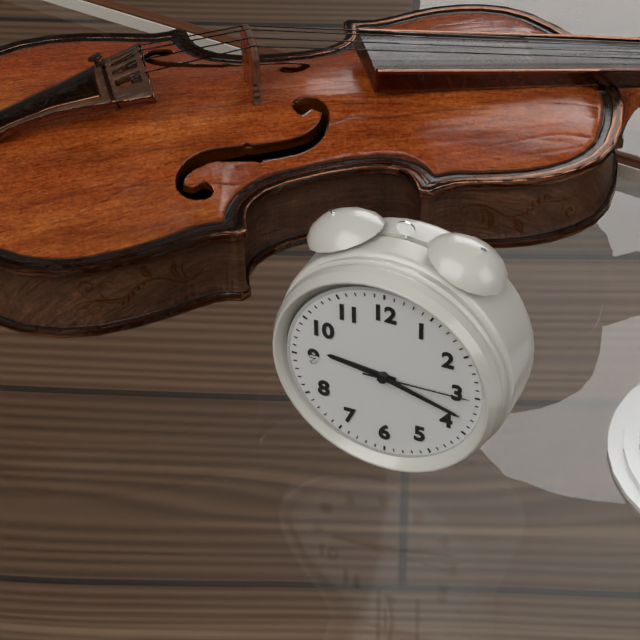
9.18.15
